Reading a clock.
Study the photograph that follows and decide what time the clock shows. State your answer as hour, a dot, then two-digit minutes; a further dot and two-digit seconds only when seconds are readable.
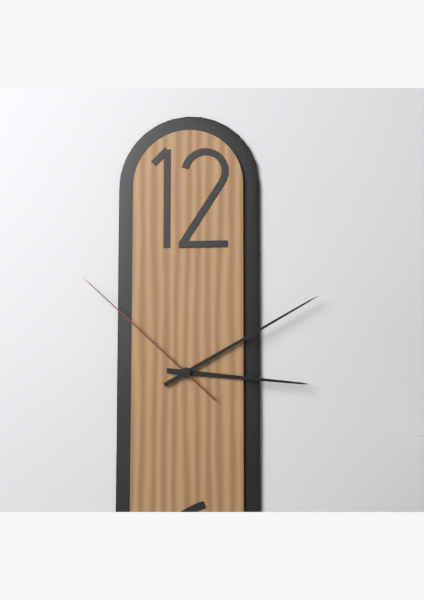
3.10.52
